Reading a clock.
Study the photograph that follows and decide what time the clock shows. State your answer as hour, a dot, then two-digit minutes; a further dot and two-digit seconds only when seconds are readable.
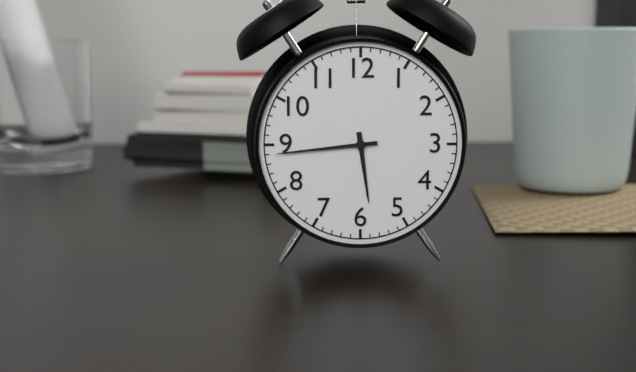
5.44
